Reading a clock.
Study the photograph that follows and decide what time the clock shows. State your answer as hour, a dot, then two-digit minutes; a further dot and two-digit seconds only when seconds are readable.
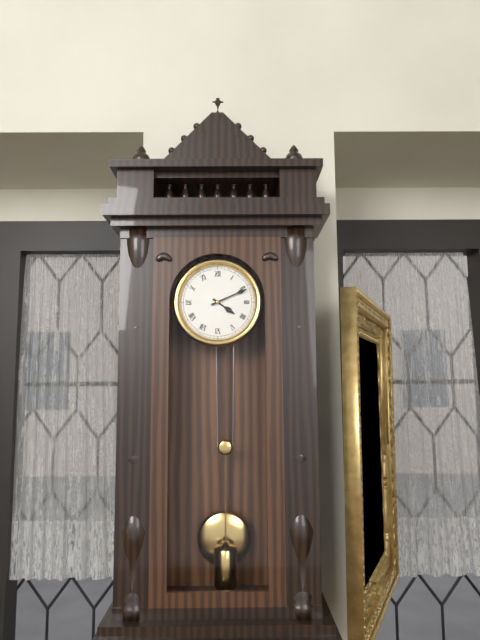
4.11
